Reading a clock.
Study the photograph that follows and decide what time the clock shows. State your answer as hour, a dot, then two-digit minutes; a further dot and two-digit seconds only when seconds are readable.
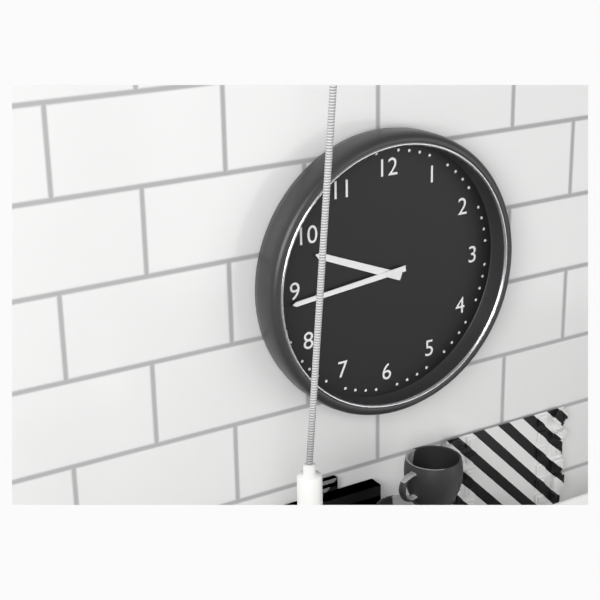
9.44
